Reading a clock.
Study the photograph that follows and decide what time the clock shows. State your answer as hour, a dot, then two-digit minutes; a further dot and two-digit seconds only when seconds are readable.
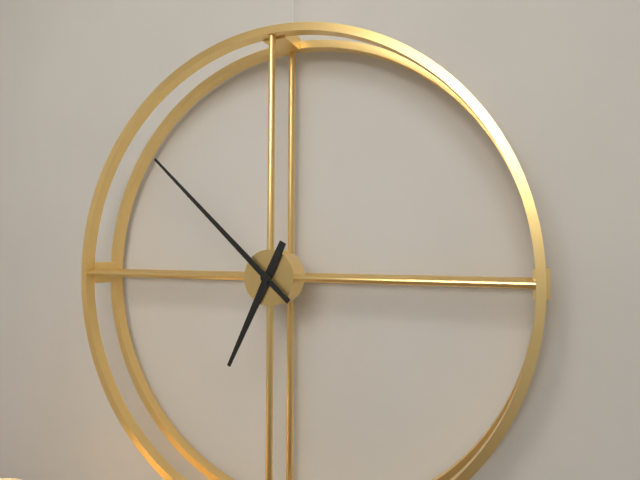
6.52
